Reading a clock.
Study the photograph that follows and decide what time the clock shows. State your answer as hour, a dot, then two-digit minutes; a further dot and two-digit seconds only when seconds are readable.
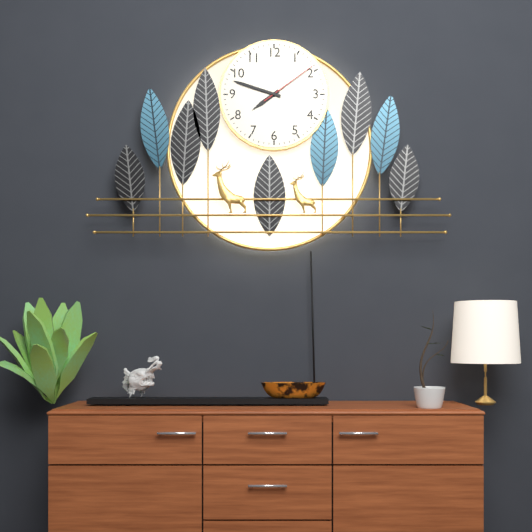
7.48.09
